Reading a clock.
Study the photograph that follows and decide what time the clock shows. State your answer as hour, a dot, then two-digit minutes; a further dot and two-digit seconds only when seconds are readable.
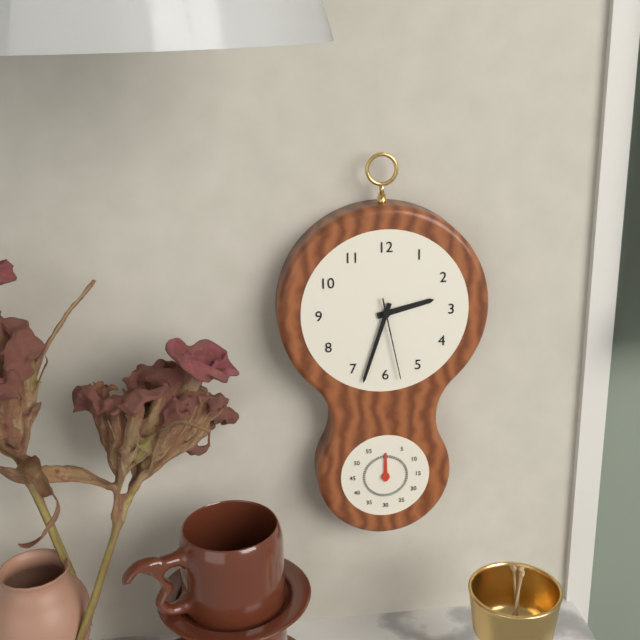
2.33.28
